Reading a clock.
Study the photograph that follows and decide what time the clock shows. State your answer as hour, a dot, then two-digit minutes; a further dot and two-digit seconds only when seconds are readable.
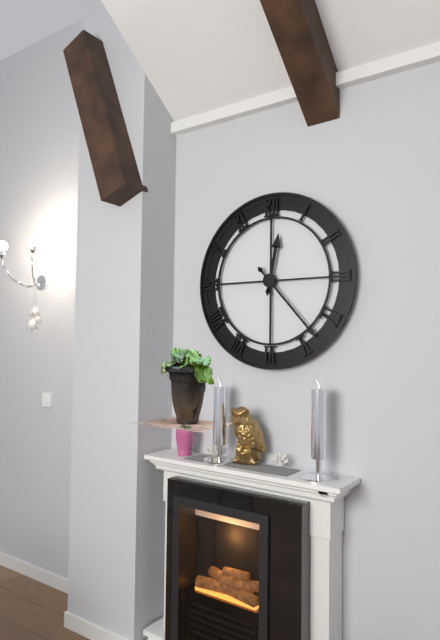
12.23
